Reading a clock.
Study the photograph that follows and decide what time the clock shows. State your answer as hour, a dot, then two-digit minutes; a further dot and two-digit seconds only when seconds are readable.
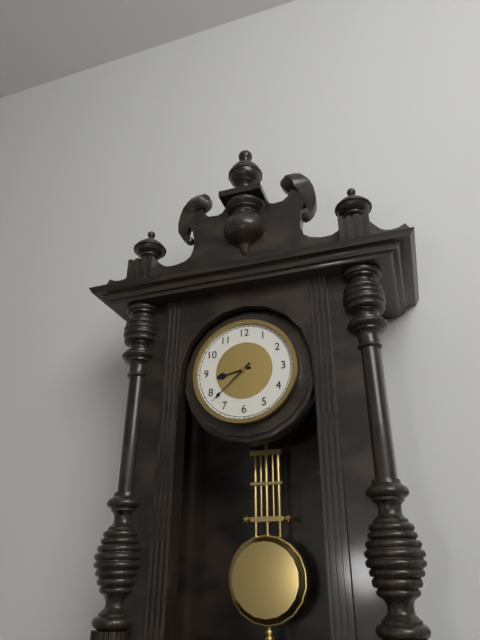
8.38
